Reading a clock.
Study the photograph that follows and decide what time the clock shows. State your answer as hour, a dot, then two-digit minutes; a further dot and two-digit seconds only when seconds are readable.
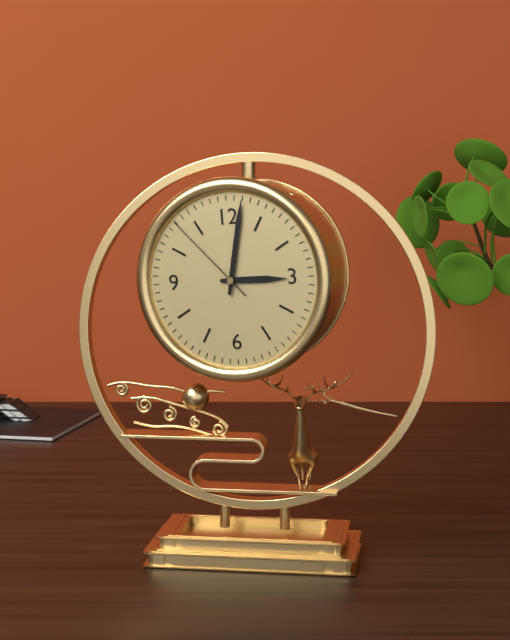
3.02.53
